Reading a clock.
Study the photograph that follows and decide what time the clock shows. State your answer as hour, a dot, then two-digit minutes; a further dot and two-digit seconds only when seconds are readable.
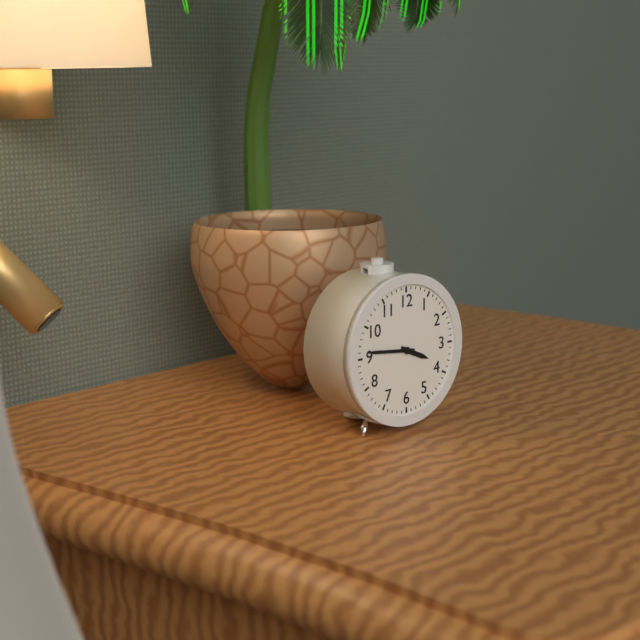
3.46
